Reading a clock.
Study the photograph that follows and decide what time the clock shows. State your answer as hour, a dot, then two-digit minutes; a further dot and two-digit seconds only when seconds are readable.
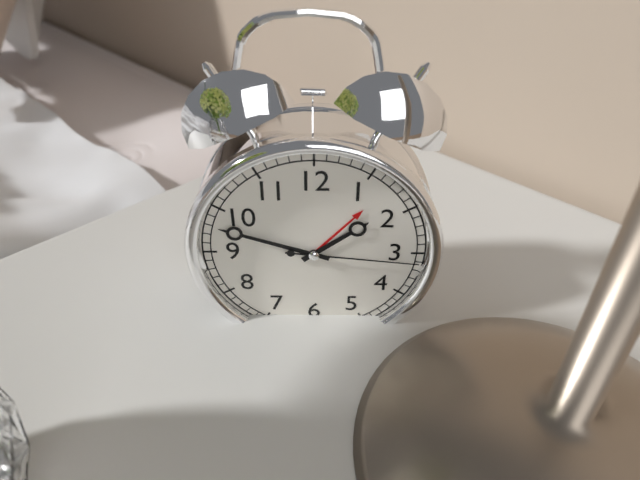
1.48.16
